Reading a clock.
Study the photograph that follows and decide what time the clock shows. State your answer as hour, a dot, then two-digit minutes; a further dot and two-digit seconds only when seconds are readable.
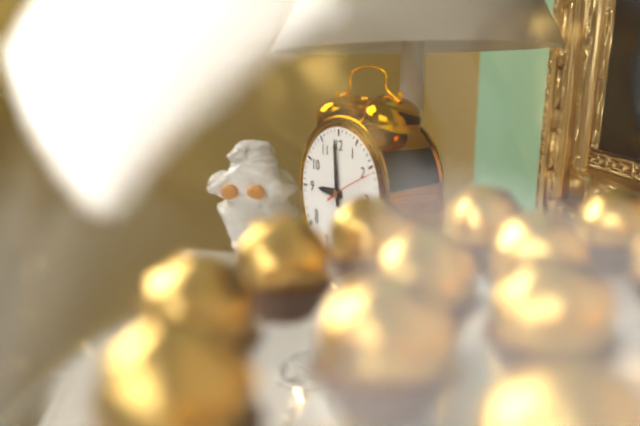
8.59
